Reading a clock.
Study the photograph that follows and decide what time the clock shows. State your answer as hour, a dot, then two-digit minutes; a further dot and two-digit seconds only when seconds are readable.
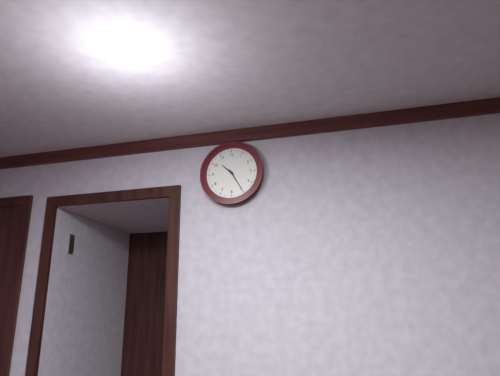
10.25
